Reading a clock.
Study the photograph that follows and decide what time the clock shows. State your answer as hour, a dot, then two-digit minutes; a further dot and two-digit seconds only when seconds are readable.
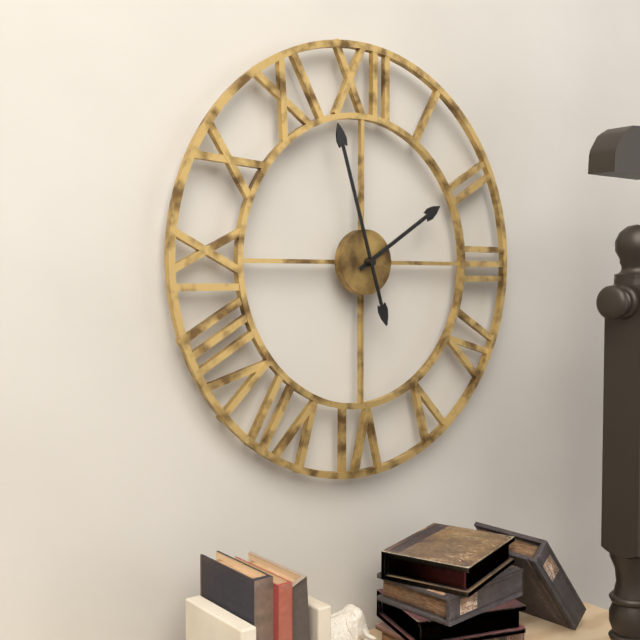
1.57
